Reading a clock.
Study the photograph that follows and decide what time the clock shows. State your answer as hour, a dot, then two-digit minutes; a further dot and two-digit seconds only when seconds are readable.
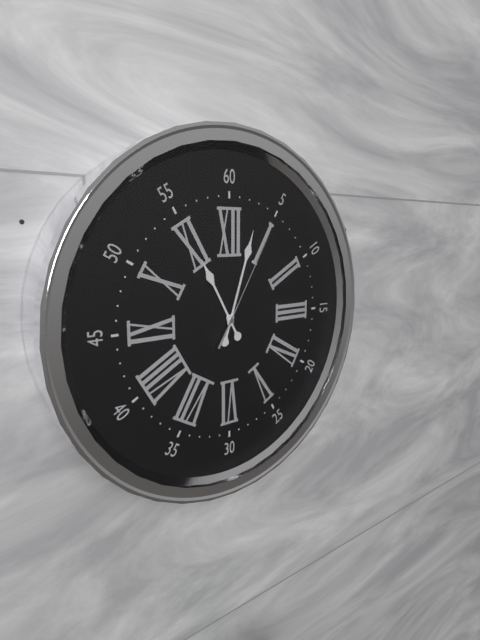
11.03.05
